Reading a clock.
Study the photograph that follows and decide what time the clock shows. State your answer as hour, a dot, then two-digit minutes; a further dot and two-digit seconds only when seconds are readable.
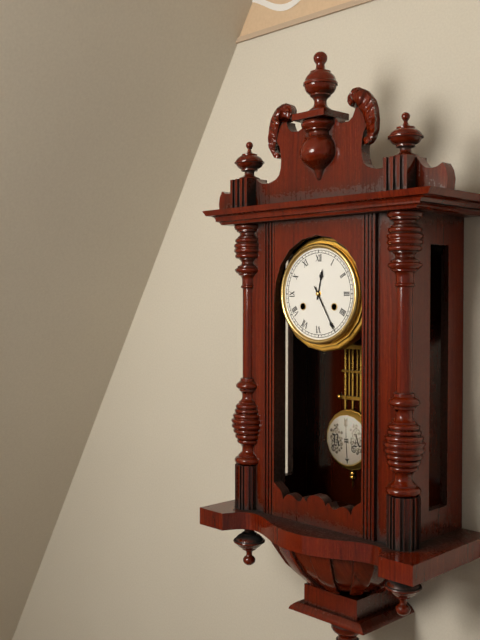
12.25
